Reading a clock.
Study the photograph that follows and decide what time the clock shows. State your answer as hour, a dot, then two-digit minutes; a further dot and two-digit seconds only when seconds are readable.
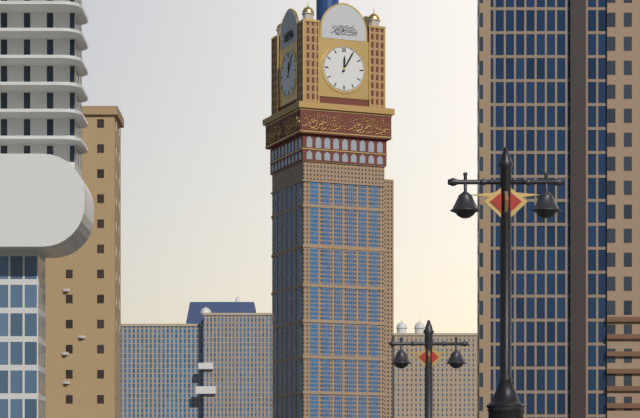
12.05
